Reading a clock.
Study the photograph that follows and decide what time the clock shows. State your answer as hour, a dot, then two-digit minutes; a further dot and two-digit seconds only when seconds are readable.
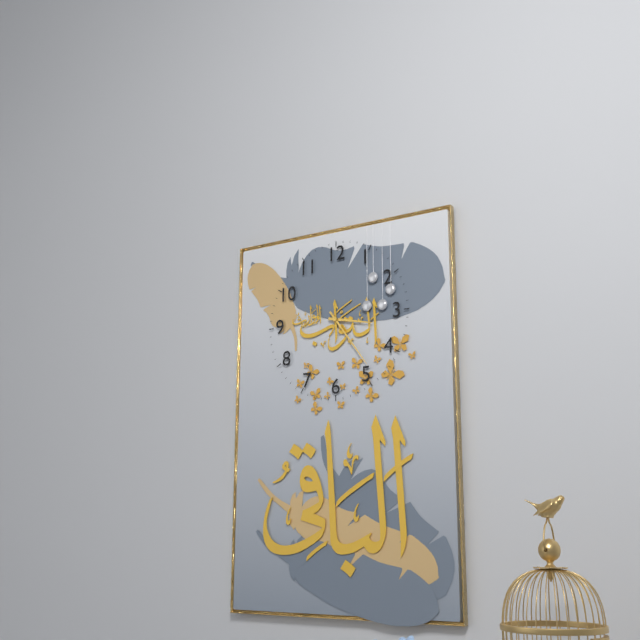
3.24
